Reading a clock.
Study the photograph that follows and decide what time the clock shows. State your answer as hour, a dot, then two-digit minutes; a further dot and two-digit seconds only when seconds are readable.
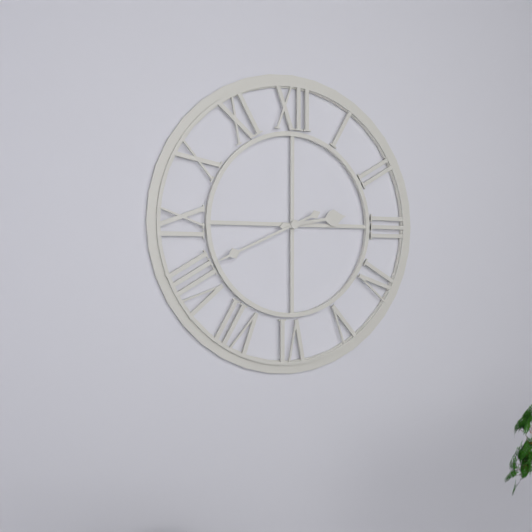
2.41
